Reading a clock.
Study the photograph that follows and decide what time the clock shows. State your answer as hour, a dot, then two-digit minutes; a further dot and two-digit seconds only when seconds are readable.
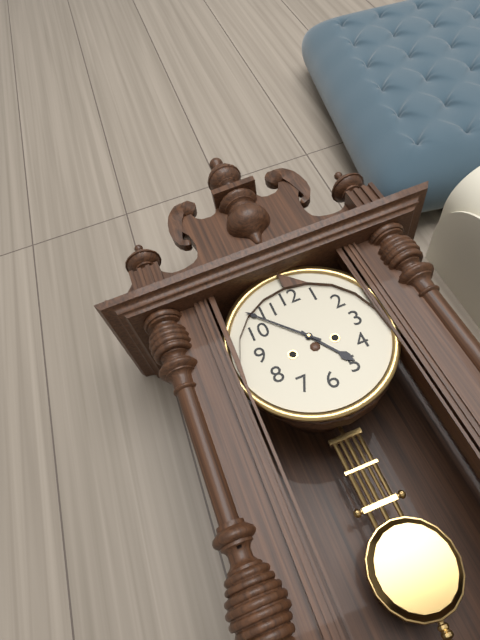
4.53
